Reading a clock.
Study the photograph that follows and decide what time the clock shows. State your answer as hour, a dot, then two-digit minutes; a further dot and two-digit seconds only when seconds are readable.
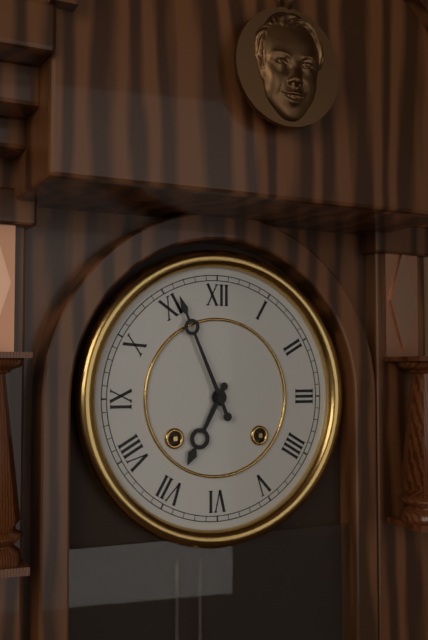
6.56
